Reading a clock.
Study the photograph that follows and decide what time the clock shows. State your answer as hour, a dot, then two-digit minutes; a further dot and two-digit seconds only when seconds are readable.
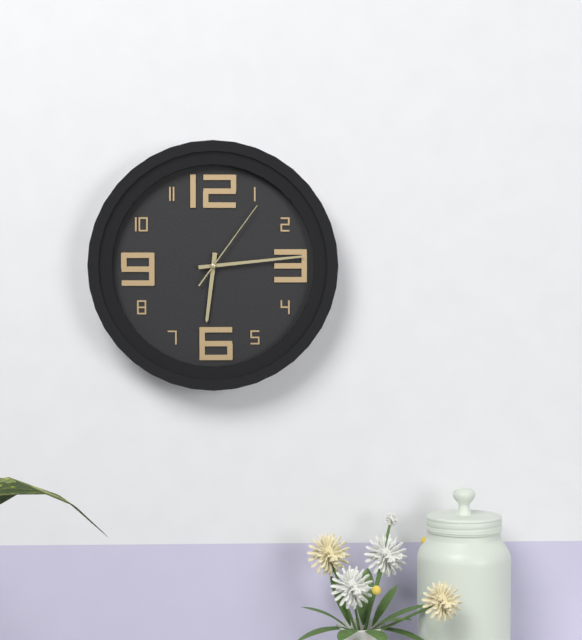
6.14.06
